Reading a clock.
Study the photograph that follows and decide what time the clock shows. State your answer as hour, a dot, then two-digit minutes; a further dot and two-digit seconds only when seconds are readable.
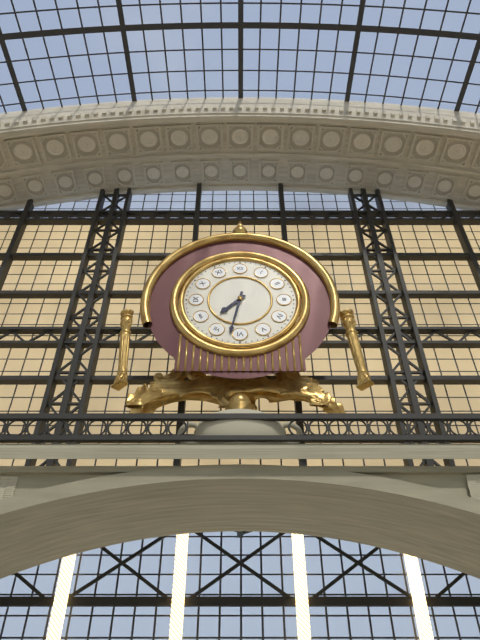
7.32
